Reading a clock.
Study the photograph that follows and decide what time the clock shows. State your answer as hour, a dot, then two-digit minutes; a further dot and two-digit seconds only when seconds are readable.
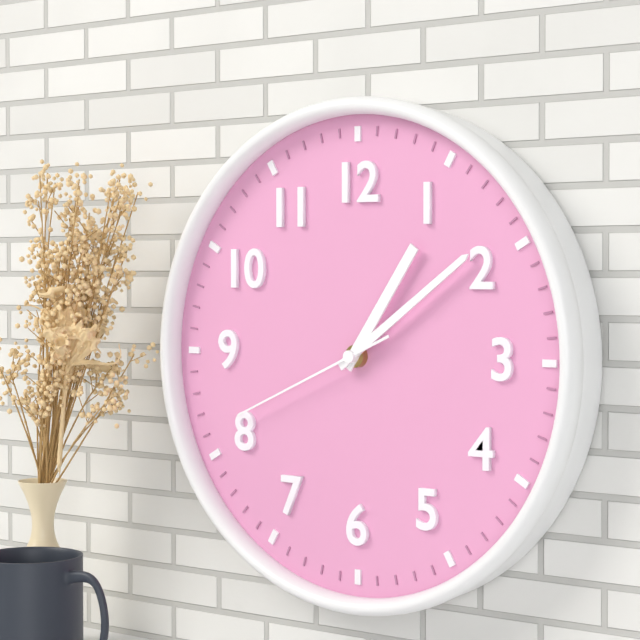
1.09.41
